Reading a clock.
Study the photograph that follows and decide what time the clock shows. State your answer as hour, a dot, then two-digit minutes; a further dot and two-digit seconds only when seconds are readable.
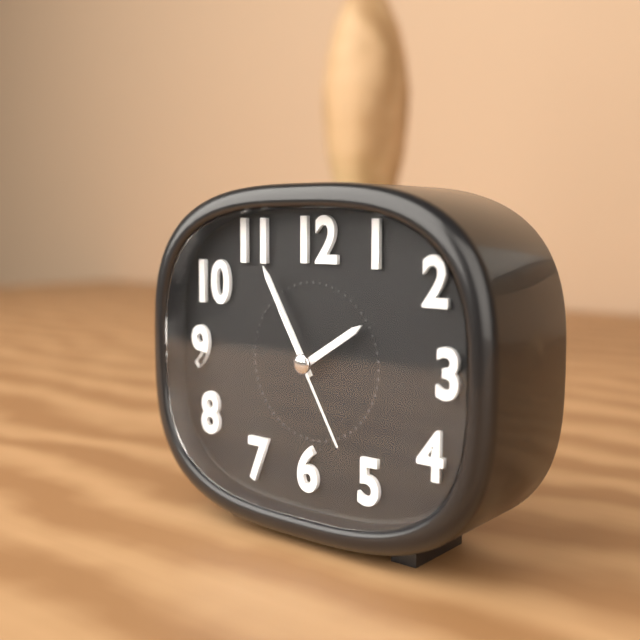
1.55.25
